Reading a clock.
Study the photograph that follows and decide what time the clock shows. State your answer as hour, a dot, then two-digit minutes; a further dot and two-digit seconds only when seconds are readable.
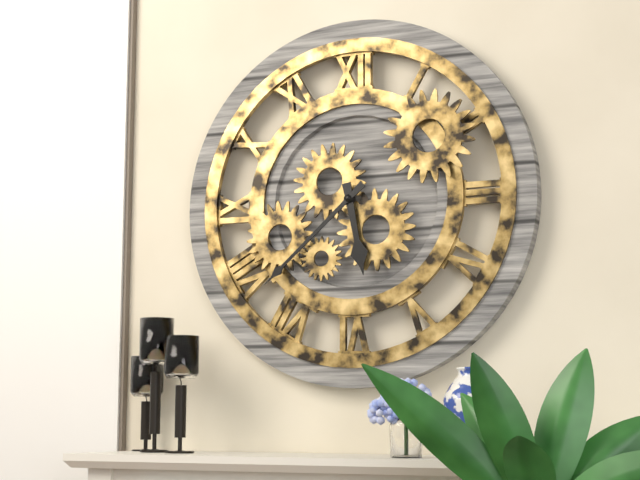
5.38
